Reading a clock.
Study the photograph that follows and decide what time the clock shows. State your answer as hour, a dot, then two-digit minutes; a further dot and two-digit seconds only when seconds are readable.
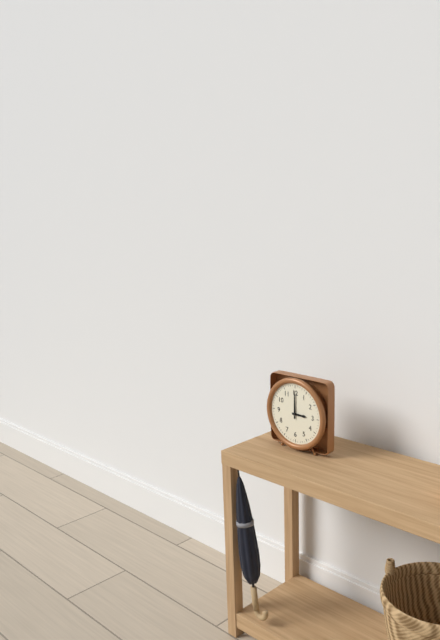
3.00
